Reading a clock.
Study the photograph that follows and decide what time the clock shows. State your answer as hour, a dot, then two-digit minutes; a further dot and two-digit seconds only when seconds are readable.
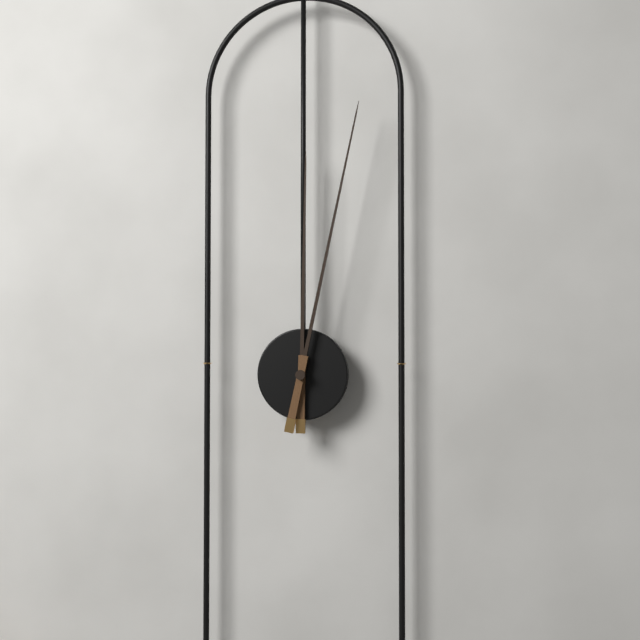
12.02
